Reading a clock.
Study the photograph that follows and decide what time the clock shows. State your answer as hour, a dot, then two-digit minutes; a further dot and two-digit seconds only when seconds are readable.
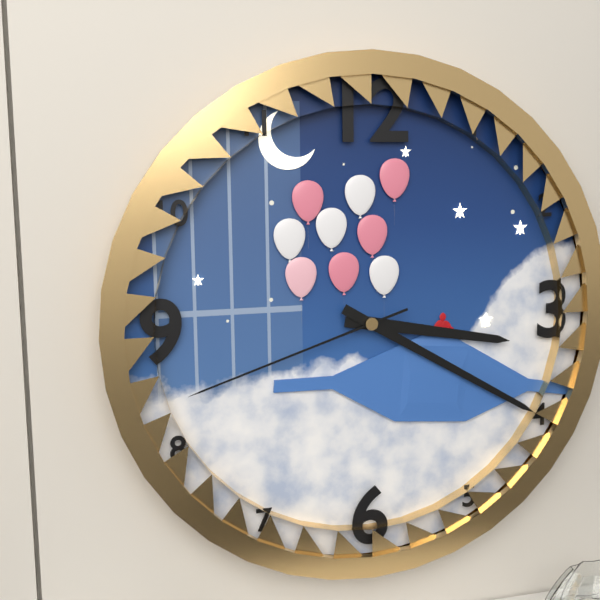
3.20.42
